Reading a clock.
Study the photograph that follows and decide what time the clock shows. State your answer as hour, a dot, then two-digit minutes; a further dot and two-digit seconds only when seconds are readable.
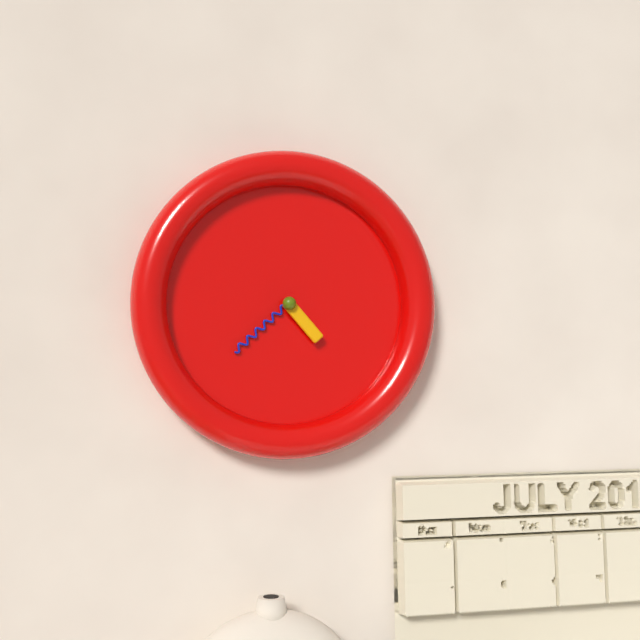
4.38
